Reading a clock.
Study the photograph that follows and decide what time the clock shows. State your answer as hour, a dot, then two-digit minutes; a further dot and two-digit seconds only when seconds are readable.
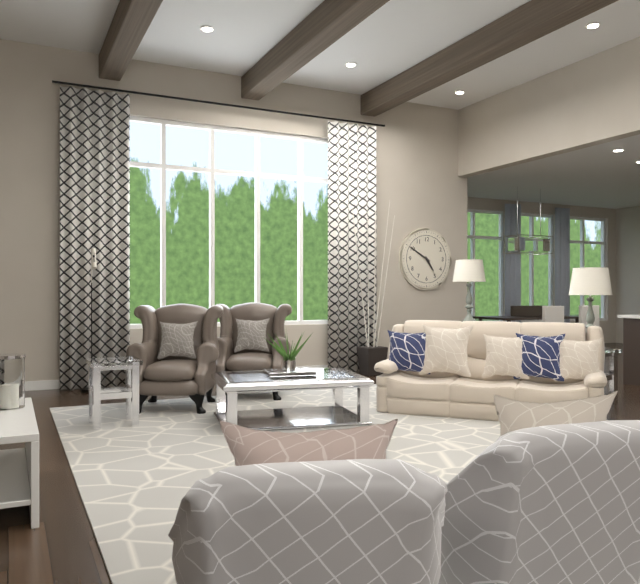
4.50
